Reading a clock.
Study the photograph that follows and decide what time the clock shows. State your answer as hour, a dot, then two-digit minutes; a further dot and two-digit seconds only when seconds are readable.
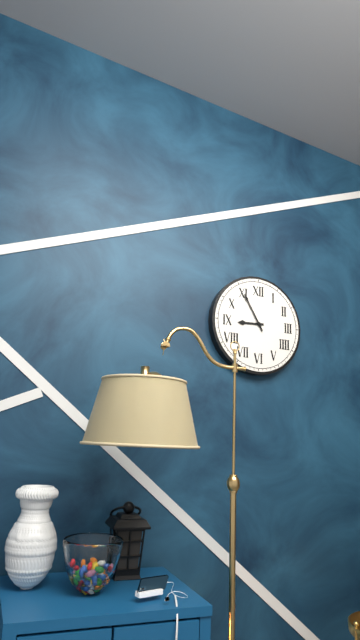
8.55
